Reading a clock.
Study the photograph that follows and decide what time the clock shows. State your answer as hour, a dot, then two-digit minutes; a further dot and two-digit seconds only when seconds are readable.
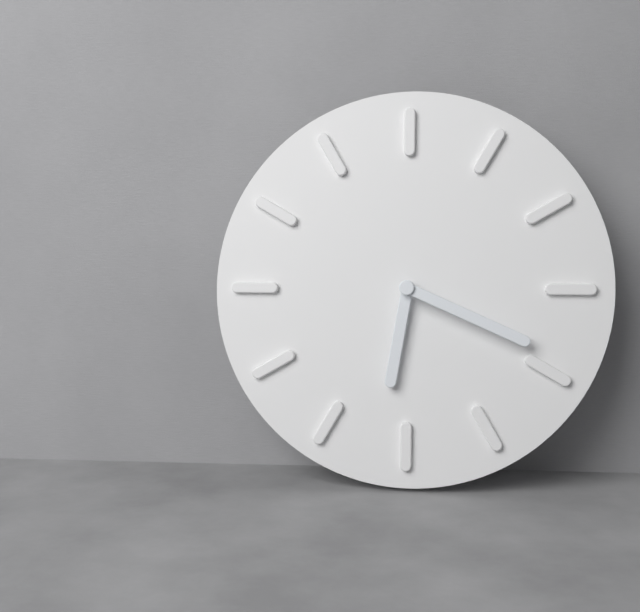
6.19
